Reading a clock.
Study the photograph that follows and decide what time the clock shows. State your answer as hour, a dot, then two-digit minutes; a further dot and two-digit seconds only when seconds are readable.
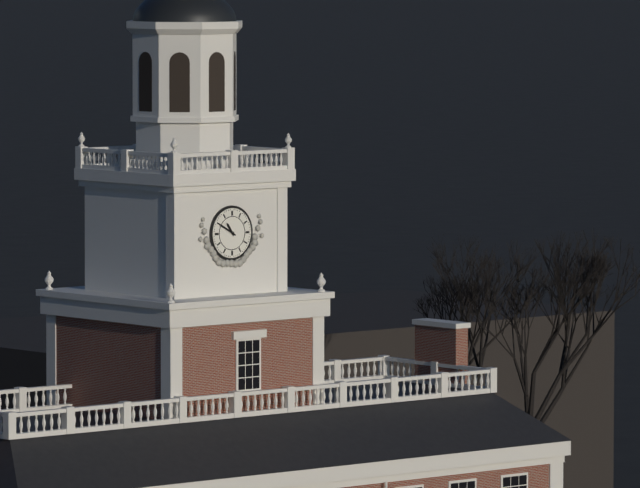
10.50
